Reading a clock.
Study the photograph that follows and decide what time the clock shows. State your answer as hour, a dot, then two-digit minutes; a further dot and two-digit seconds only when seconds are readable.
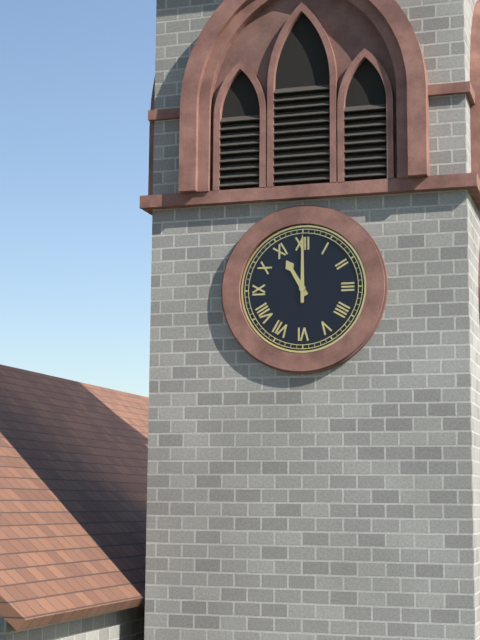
11.00
